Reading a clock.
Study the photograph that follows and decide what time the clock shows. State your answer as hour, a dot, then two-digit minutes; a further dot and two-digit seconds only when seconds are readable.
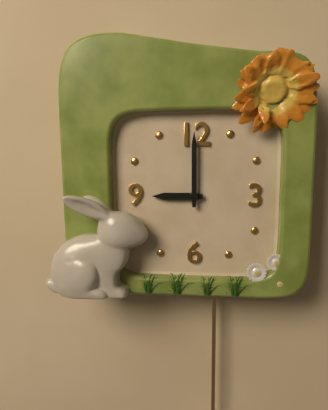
9.00
